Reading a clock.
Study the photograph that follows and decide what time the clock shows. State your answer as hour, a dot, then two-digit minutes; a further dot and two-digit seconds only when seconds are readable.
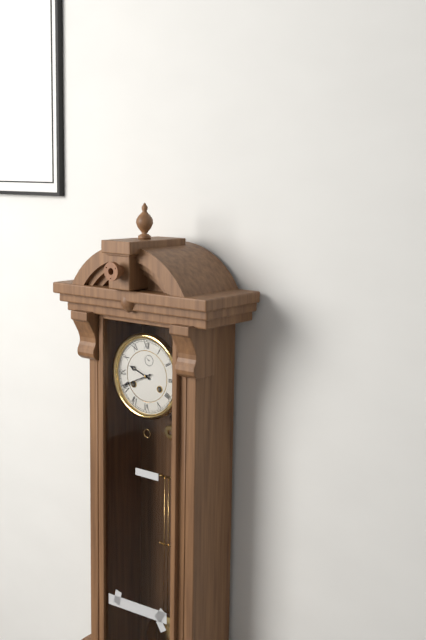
9.41
